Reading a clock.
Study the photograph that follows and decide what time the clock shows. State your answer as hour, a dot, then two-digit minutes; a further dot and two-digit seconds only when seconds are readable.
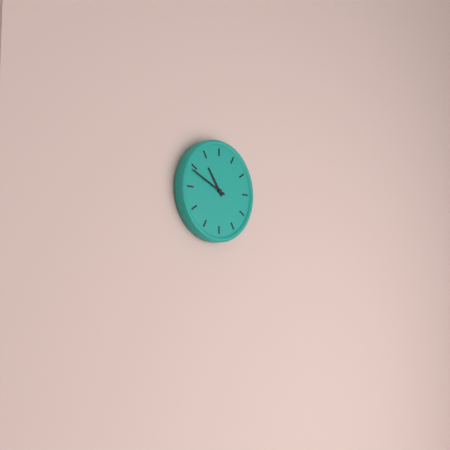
10.49
